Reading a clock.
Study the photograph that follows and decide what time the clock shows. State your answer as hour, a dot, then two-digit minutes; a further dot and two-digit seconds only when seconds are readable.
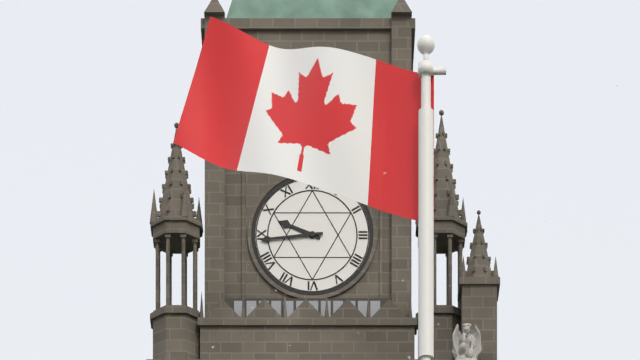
9.44
